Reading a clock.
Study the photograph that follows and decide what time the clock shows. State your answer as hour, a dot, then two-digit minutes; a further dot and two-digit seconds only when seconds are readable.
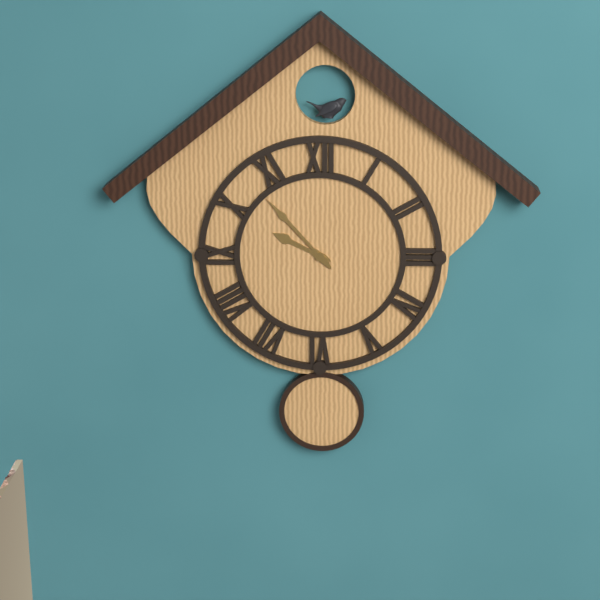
9.53
